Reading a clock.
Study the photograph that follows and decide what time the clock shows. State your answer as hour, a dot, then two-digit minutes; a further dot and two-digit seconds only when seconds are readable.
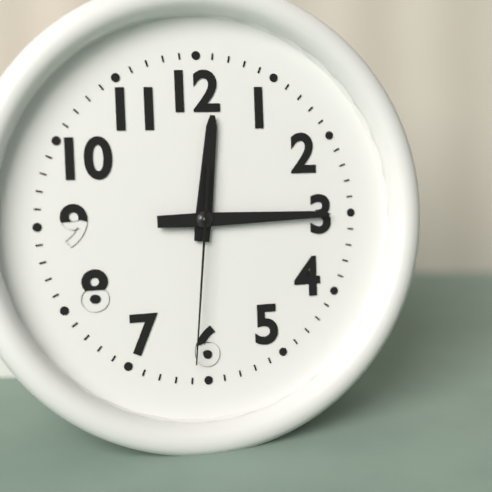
12.15.31
